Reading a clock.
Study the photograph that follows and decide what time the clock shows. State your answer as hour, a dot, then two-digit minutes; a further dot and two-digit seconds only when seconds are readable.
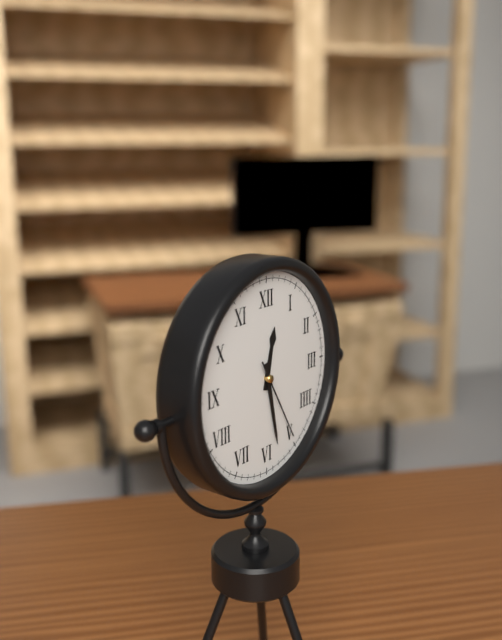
12.28.25
